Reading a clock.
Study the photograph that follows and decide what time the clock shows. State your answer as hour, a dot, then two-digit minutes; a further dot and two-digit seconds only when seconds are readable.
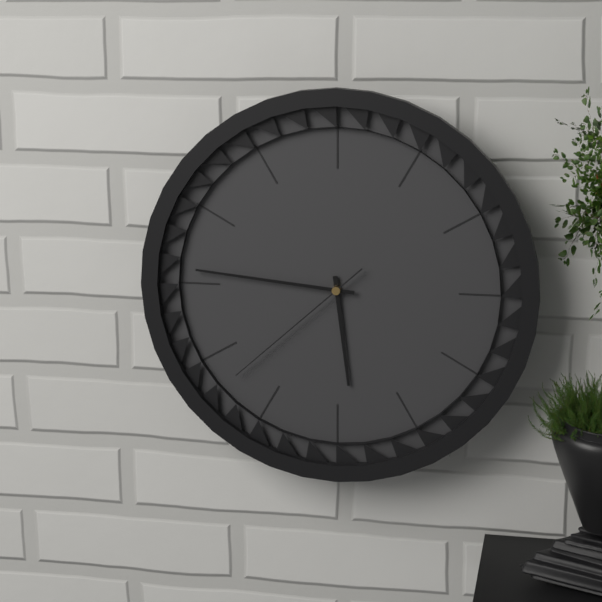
5.46.38
